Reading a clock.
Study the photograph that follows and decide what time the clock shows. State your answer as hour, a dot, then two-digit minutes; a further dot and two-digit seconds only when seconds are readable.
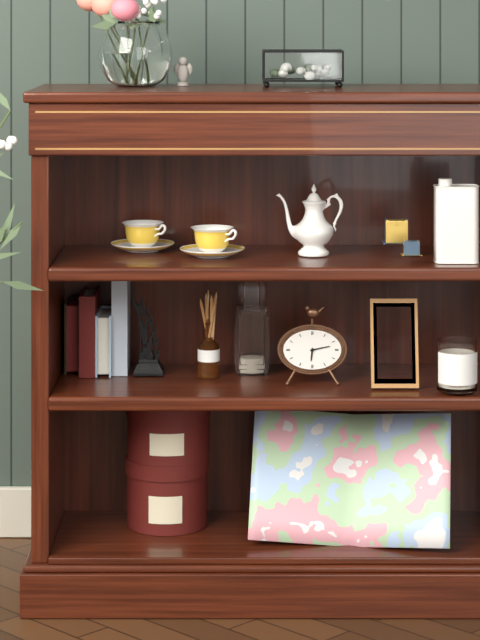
6.13
